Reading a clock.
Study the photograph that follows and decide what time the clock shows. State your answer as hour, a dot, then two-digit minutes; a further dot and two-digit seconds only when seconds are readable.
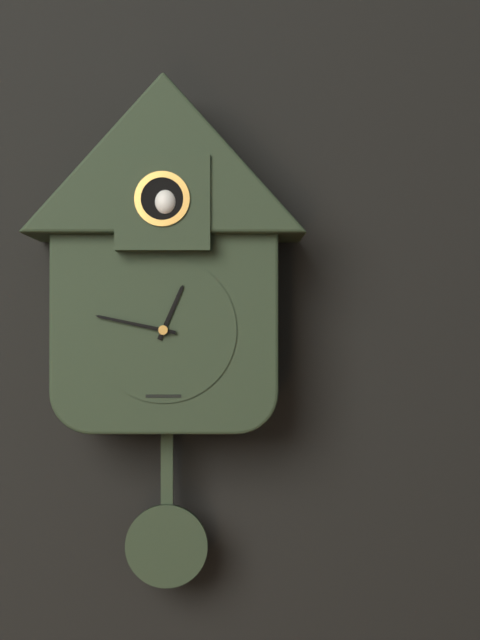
12.47
